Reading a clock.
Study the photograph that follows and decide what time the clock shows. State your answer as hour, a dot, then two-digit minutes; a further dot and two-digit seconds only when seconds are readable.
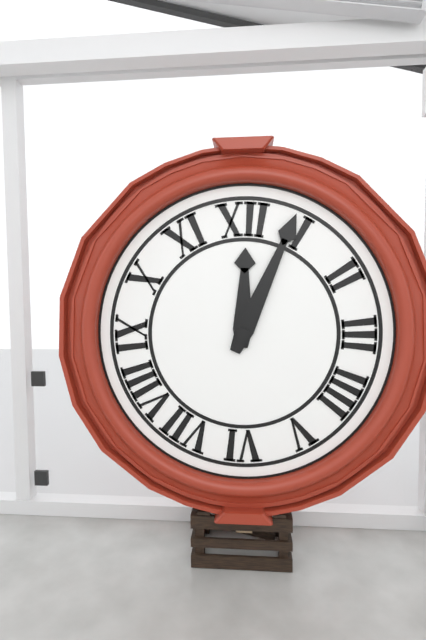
12.04
